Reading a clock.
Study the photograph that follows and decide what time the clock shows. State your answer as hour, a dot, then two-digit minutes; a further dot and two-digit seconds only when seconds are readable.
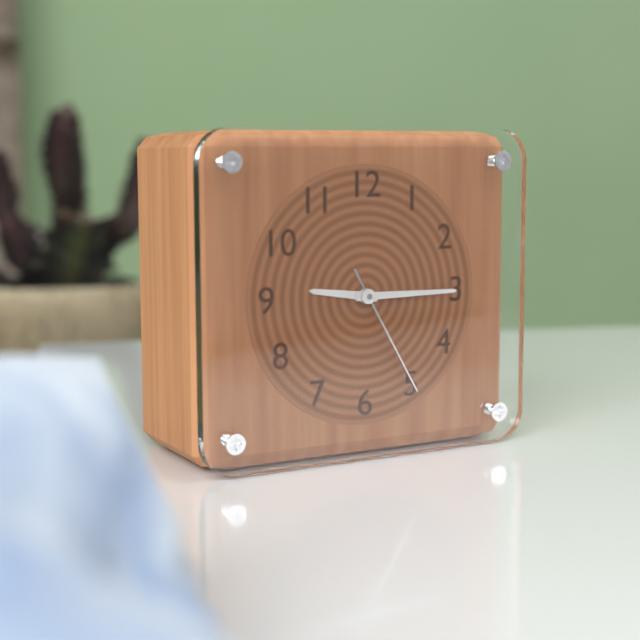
9.15.25
